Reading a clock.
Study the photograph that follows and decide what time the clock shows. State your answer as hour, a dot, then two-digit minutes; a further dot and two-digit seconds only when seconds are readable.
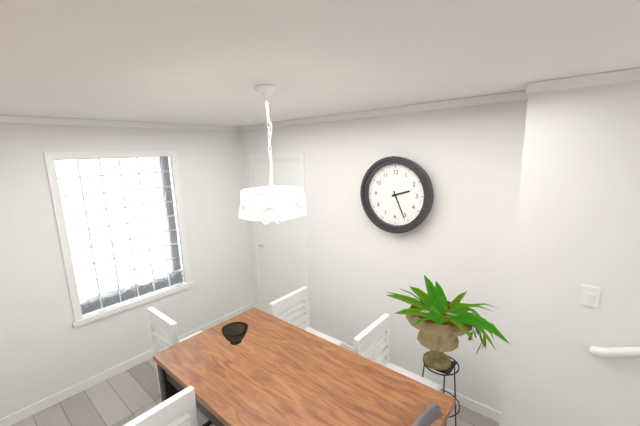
2.26
